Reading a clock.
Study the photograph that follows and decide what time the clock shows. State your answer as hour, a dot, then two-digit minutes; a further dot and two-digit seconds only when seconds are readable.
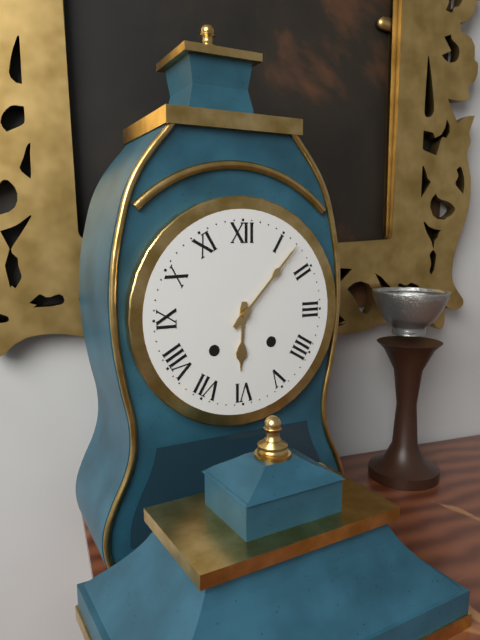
6.07
